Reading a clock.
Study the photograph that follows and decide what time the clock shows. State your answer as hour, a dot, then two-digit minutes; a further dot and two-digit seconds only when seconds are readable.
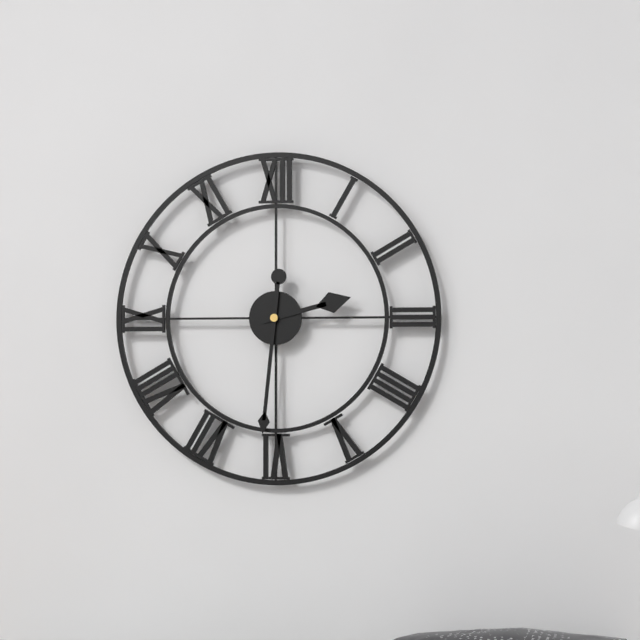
2.31
